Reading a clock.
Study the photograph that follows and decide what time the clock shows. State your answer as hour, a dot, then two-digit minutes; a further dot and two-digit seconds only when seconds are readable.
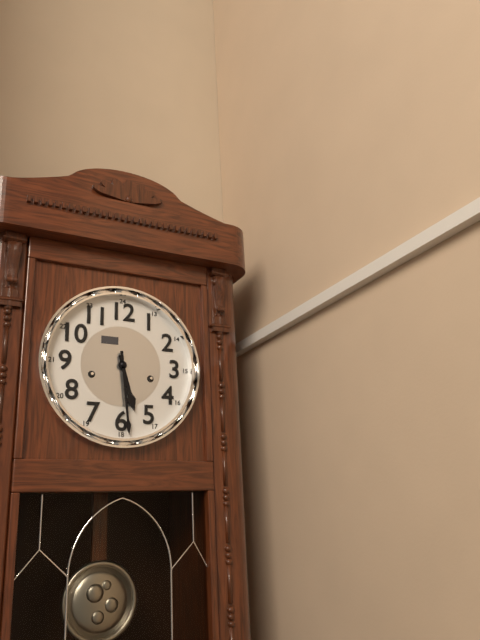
5.29
